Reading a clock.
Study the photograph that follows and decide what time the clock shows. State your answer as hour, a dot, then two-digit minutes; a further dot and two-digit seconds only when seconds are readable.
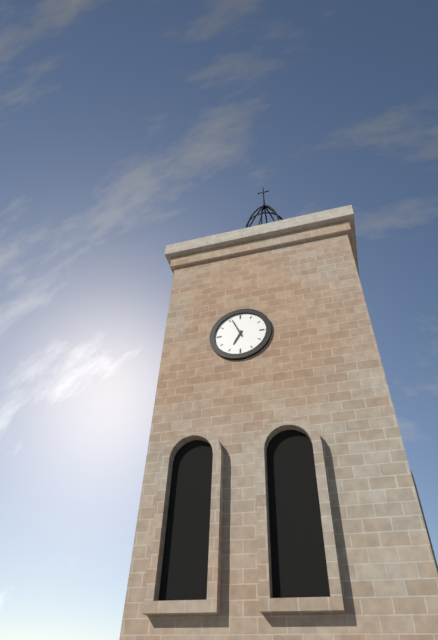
6.56
